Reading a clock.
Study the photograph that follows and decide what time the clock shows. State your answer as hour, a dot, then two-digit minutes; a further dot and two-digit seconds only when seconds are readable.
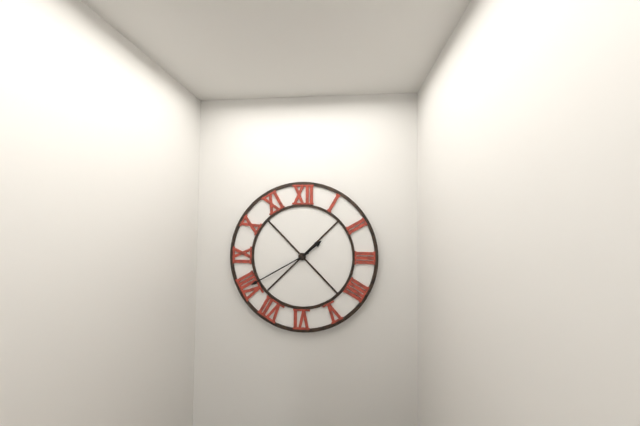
1.40
